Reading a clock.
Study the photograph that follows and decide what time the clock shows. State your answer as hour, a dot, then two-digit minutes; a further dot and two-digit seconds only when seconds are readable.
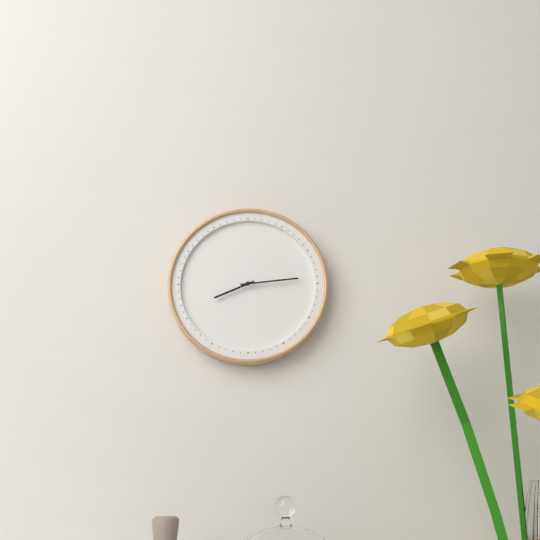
8.14
